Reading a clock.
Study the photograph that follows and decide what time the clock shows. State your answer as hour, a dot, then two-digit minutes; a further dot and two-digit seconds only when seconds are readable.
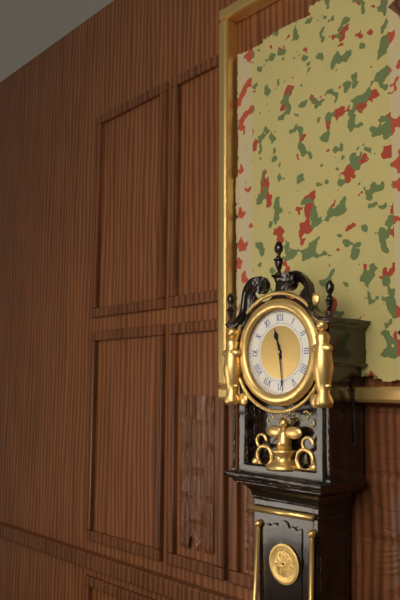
11.29
